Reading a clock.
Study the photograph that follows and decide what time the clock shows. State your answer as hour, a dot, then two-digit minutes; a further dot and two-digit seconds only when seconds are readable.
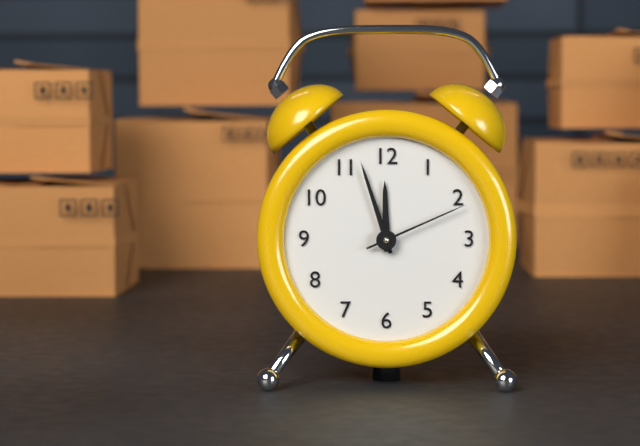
11.57.11
